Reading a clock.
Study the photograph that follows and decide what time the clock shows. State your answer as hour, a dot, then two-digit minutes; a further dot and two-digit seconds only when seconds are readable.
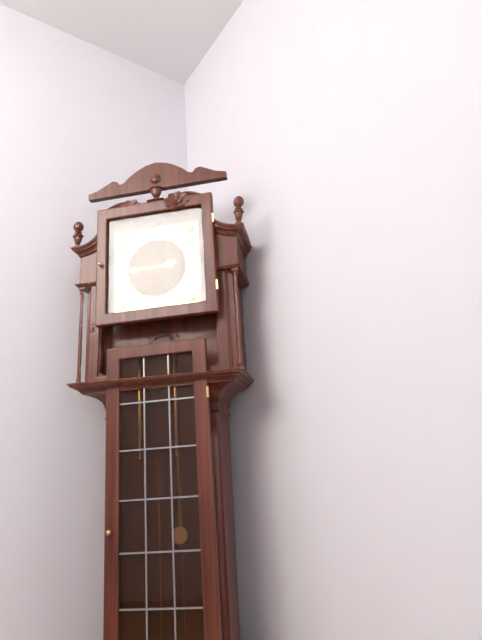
2.45
